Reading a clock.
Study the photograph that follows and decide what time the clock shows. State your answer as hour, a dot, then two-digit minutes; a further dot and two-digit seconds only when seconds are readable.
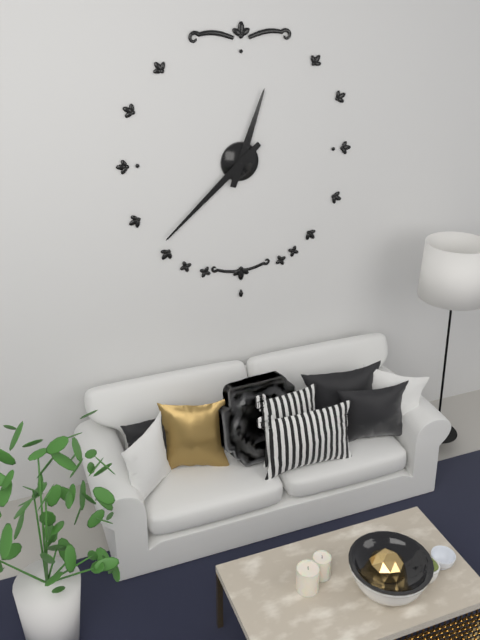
12.38
